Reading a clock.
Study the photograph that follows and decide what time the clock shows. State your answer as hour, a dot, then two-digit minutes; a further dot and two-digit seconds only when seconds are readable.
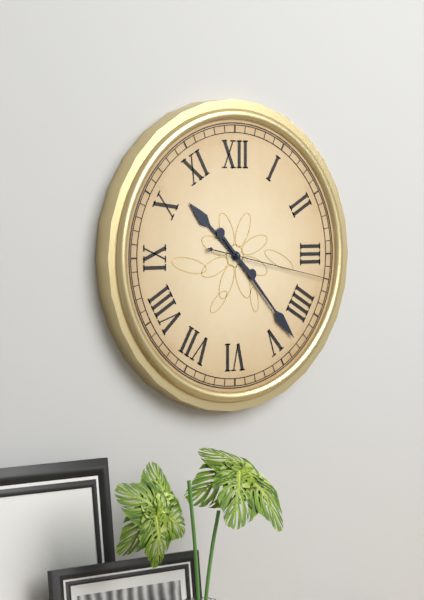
10.23.17
